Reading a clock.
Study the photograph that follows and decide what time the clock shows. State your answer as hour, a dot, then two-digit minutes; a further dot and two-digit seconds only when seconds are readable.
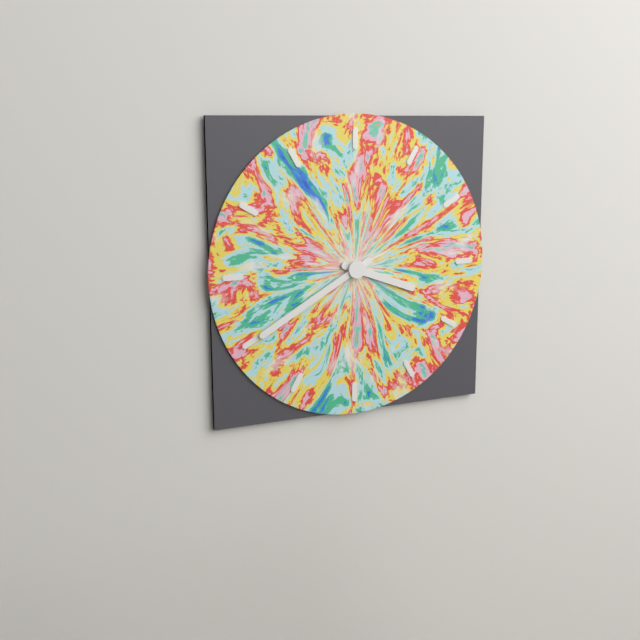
3.40
